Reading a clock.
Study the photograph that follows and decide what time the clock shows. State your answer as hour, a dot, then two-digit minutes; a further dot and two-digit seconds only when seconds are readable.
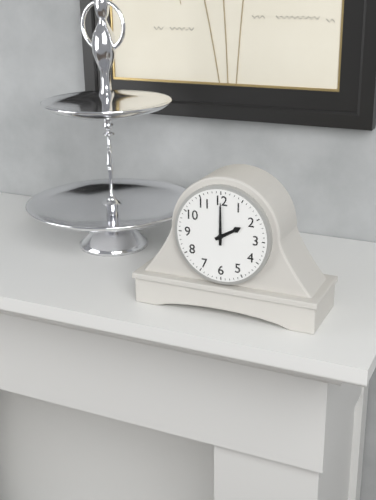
2.00
